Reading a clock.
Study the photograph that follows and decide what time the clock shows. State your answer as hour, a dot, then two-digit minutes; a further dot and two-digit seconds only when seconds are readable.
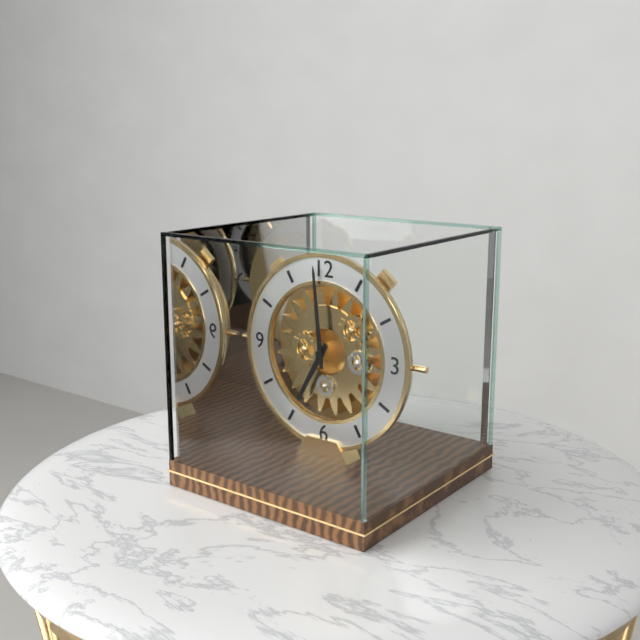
6.59
